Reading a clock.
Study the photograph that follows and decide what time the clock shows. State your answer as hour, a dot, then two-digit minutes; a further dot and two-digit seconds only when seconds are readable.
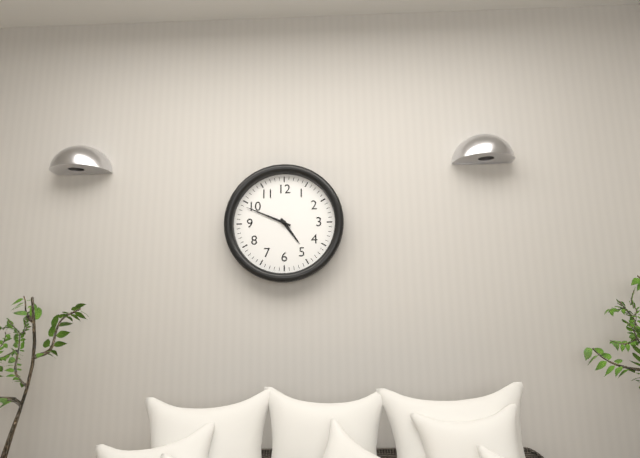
4.49
